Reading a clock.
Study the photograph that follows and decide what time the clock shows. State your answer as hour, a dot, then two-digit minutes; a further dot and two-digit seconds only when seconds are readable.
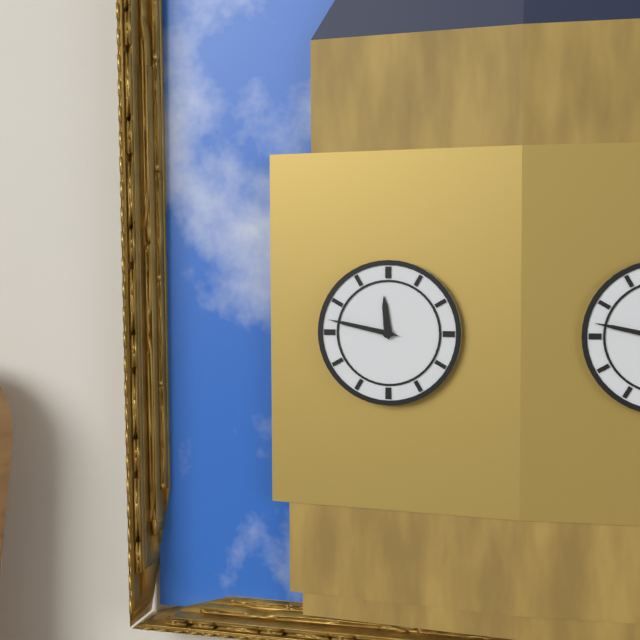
11.47
